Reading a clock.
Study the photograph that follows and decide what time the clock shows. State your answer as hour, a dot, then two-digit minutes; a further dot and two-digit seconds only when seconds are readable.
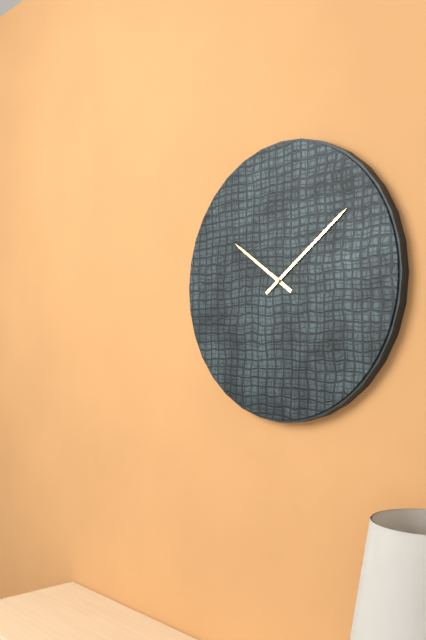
10.09
